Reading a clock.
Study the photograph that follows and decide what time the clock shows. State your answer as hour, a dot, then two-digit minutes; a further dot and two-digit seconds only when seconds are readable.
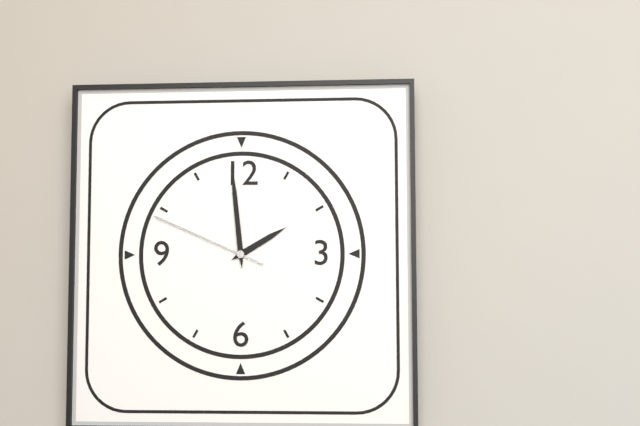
1.59.49
